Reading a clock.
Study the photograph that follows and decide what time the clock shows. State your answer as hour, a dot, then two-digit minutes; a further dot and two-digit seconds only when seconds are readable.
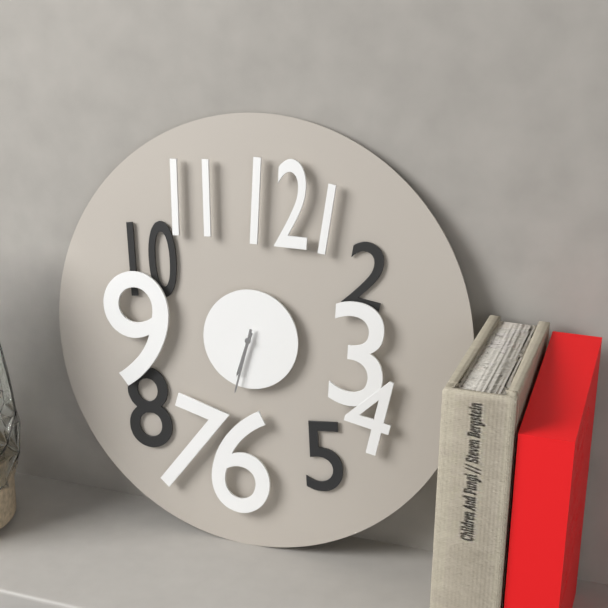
6.32
